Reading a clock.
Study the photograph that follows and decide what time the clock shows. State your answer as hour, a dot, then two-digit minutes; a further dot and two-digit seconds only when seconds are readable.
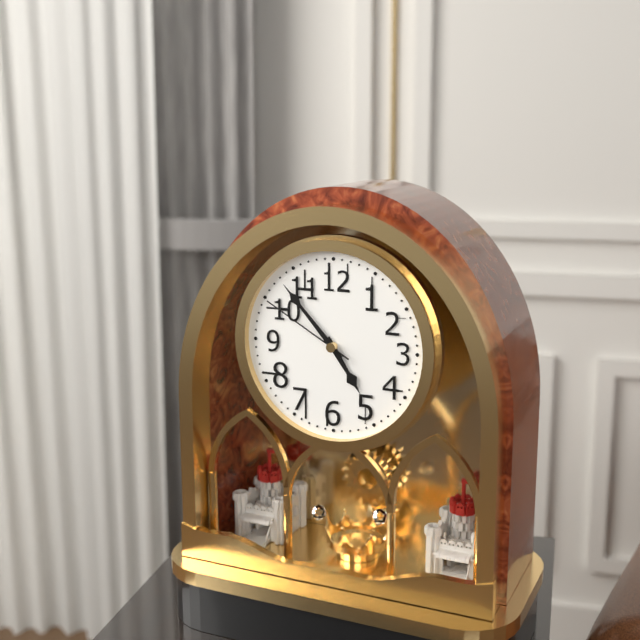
4.53.50
